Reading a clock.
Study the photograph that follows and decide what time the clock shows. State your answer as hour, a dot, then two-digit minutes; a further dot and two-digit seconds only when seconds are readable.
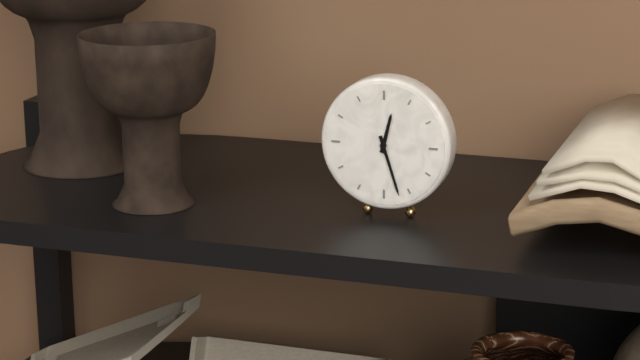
12.27
